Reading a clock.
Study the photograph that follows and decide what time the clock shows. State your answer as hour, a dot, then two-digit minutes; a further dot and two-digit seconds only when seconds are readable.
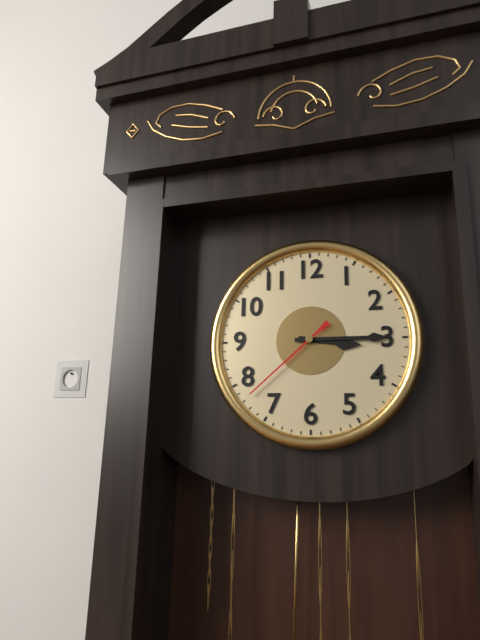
3.15.38
